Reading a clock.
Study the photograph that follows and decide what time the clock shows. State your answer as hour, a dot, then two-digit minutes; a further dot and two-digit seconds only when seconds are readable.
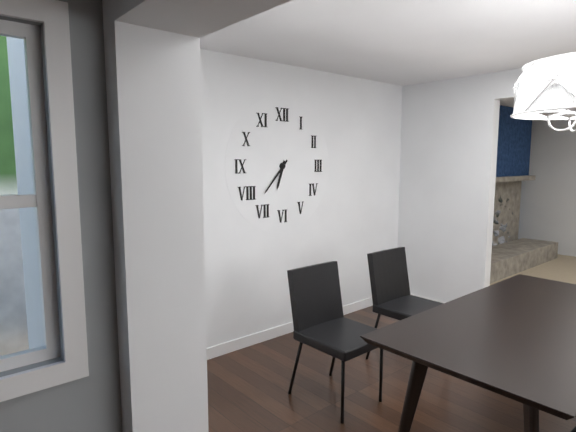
6.37
